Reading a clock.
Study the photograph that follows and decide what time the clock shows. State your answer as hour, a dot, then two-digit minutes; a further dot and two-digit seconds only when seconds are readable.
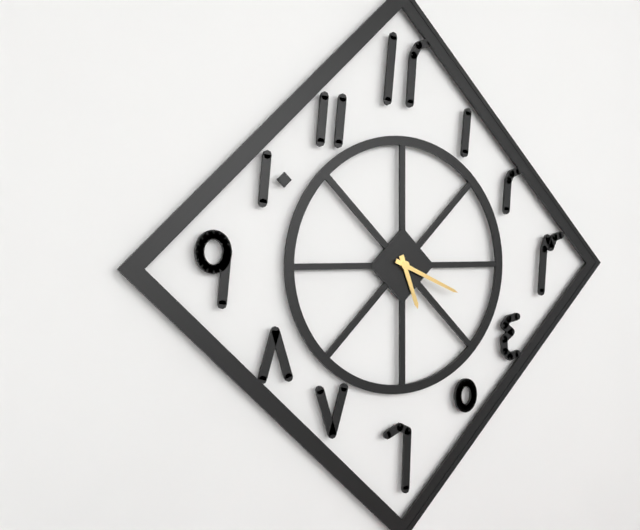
5.19
